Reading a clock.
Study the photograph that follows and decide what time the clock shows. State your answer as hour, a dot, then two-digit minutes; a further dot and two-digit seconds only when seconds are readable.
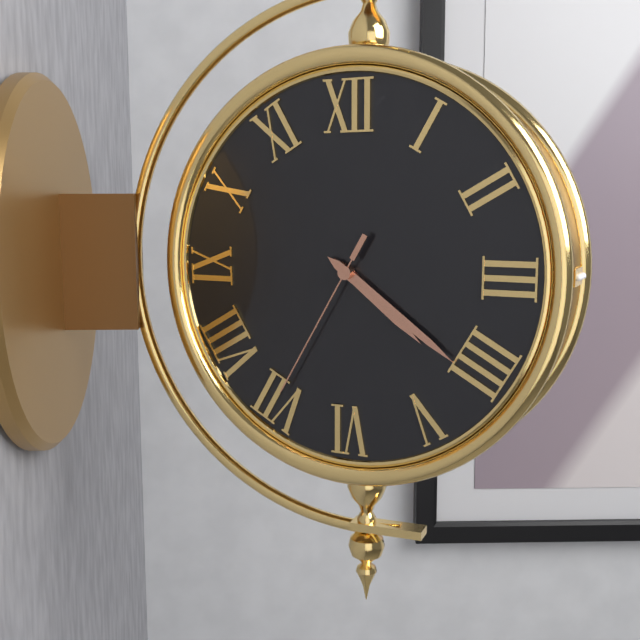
4.21.35
